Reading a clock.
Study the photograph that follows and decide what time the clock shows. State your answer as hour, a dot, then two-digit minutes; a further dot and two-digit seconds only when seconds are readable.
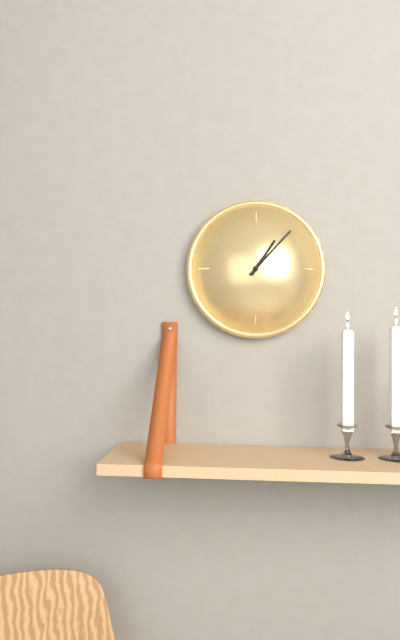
1.07
